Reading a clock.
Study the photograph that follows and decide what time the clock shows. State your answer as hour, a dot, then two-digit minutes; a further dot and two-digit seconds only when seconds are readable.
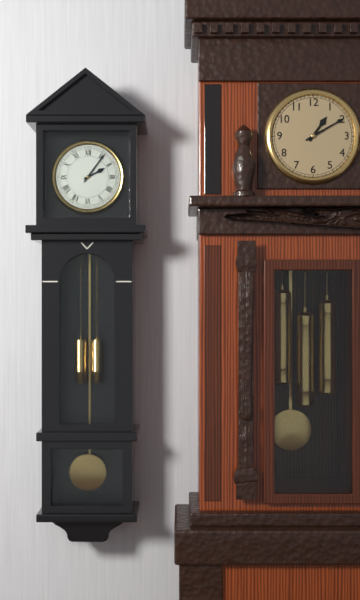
2.06
